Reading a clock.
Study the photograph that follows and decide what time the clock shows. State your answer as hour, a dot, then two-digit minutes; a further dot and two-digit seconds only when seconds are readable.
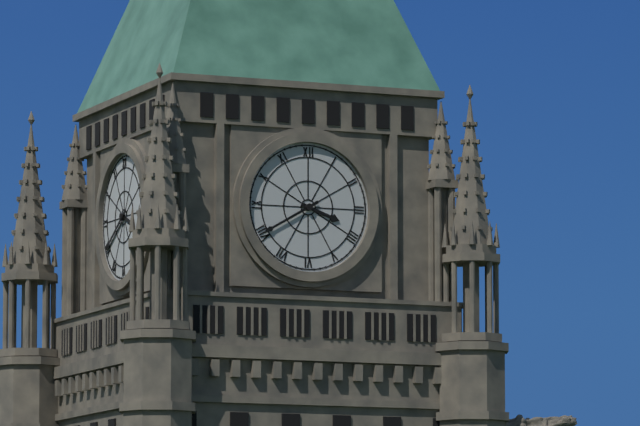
3.40
